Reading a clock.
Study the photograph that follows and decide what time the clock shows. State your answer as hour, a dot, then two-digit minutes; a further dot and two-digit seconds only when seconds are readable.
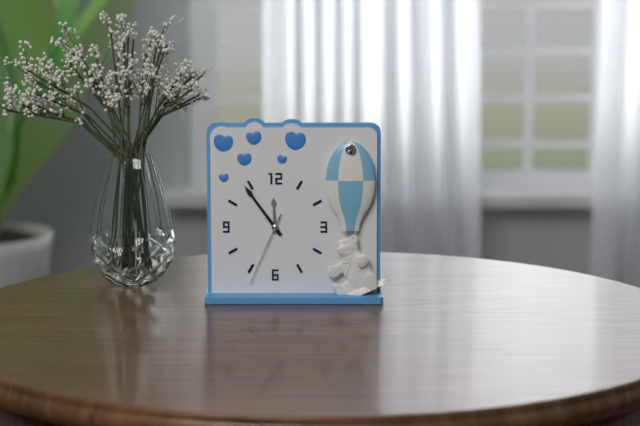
11.54.34
